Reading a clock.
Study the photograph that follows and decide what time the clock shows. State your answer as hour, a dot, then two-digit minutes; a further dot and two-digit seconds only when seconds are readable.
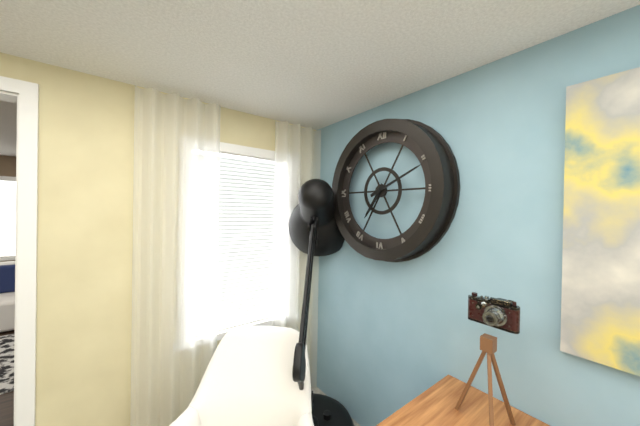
7.11
